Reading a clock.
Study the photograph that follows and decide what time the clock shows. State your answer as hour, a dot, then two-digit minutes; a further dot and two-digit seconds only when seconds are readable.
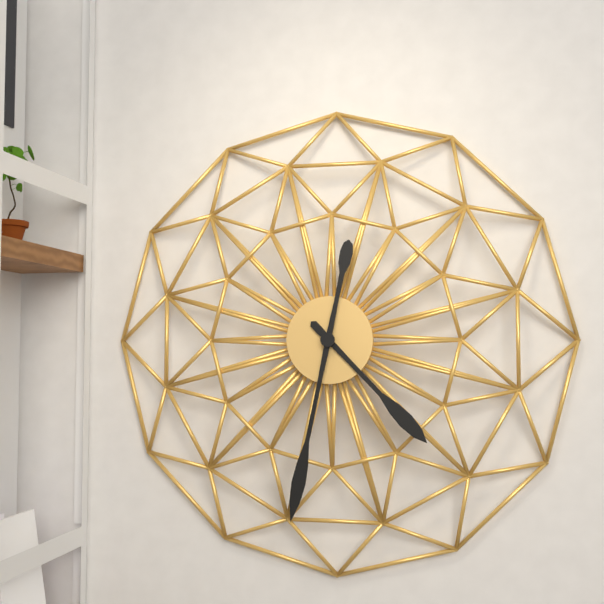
4.32
